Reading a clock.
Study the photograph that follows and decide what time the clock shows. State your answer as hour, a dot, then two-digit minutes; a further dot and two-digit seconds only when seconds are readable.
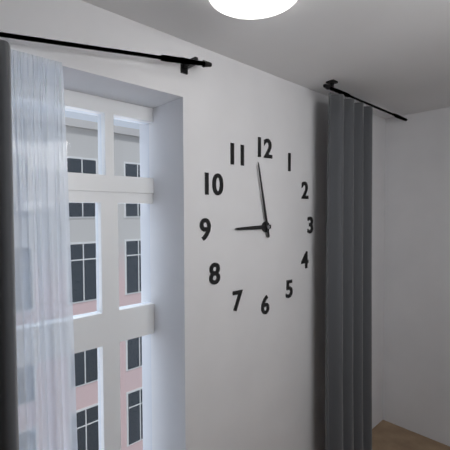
8.58
